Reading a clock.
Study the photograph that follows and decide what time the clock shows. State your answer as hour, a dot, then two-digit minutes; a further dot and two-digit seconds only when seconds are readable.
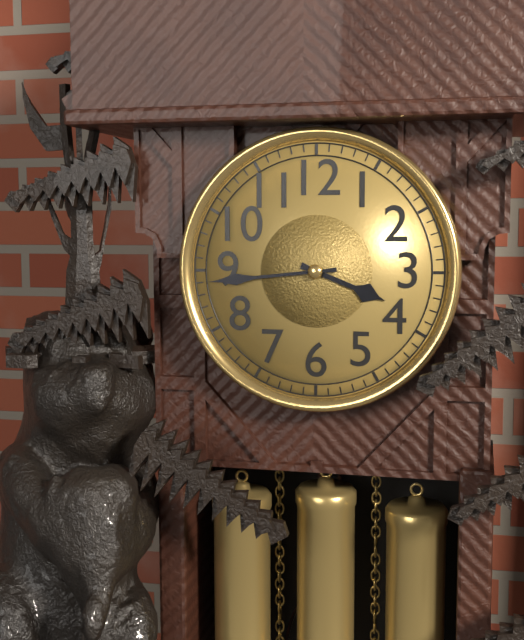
3.44
